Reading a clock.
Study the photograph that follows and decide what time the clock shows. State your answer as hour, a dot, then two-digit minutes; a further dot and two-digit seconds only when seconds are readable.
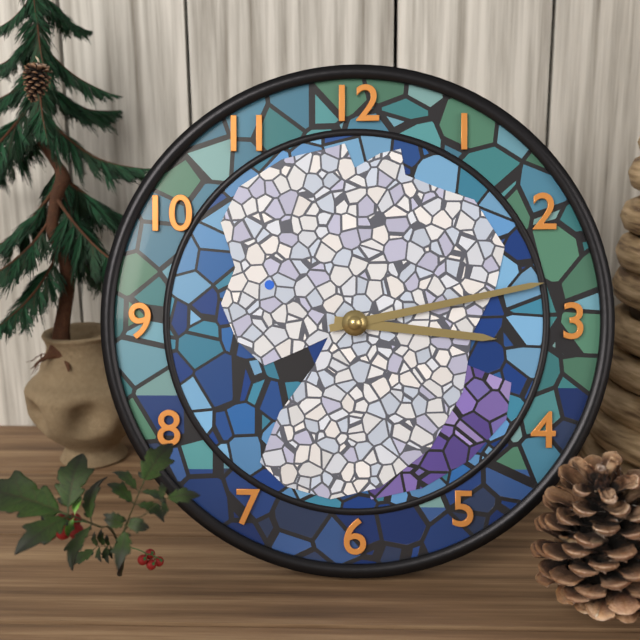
3.13
